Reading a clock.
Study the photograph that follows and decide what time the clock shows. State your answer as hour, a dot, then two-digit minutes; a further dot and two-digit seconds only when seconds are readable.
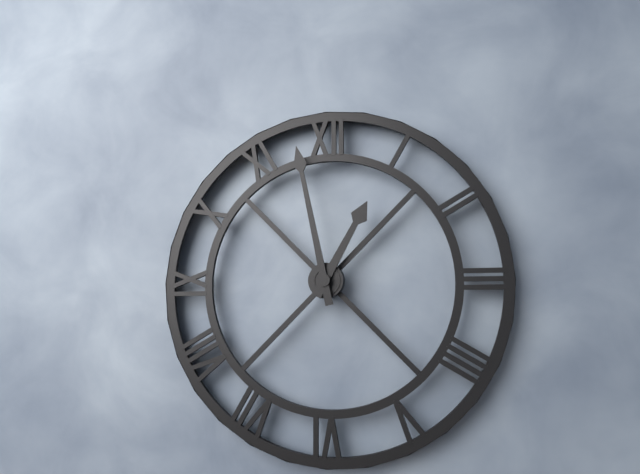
12.58
